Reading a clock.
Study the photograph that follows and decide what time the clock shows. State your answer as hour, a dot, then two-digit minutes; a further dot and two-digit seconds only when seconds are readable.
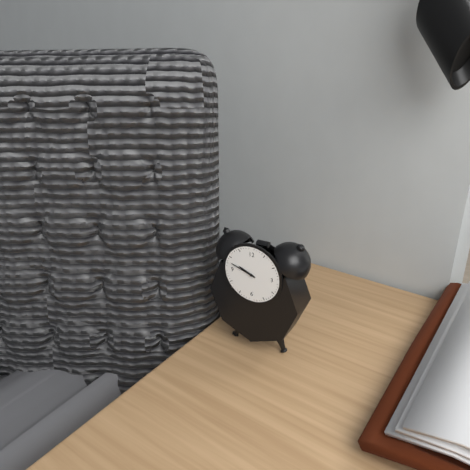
9.48
